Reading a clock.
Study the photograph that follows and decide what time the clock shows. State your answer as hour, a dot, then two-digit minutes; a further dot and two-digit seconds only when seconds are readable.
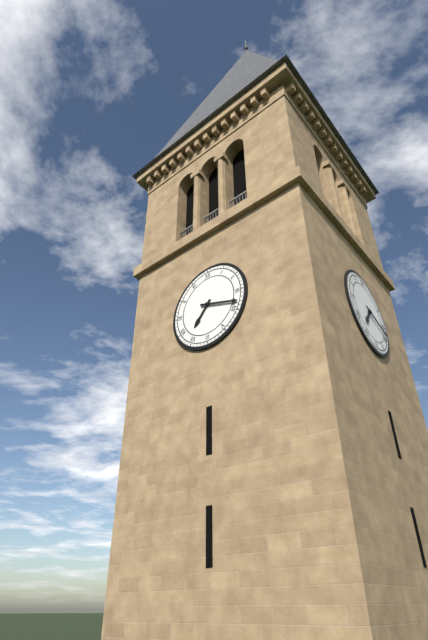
7.18
